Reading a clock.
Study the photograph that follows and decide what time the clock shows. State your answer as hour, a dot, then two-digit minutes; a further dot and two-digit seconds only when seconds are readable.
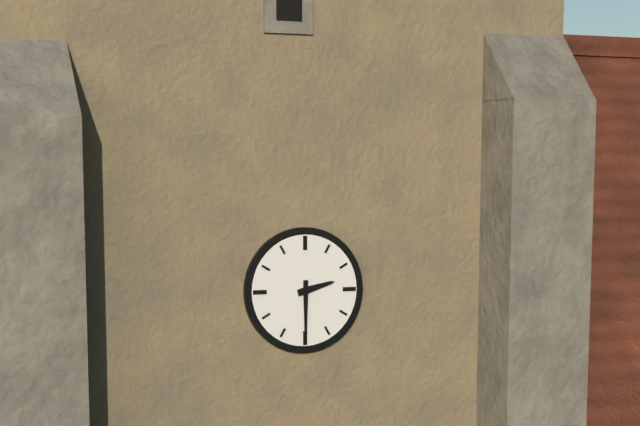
2.30
